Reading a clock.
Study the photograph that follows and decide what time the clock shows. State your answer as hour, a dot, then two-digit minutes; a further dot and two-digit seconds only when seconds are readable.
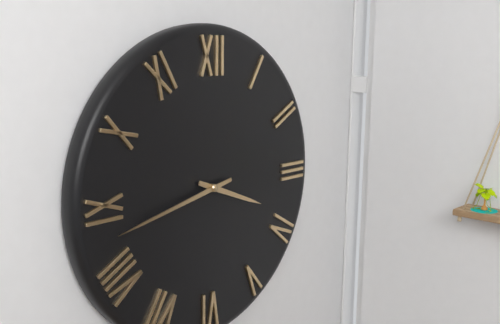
3.43
